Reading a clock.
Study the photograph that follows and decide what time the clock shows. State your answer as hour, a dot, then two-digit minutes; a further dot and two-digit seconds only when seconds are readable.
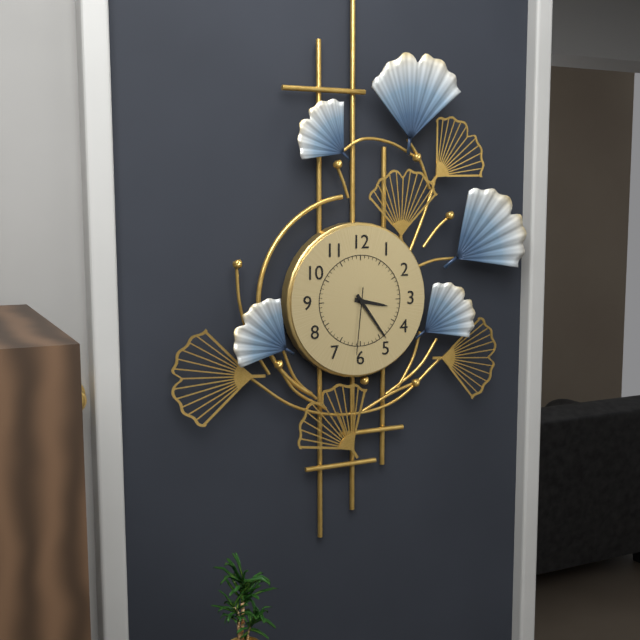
3.24.31
